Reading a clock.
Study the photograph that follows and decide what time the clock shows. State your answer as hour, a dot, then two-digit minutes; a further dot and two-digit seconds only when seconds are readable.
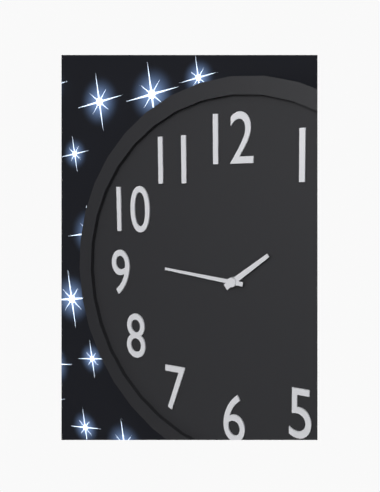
1.46
